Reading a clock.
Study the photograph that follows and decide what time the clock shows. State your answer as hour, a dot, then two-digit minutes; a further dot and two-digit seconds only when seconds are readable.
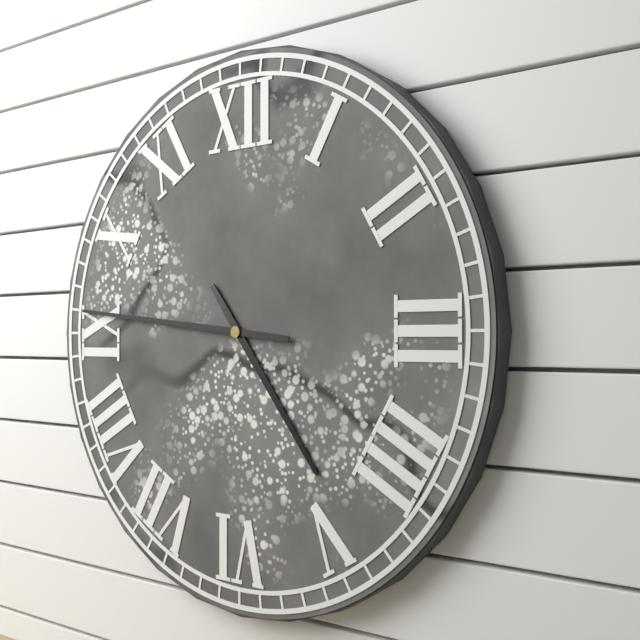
4.46
